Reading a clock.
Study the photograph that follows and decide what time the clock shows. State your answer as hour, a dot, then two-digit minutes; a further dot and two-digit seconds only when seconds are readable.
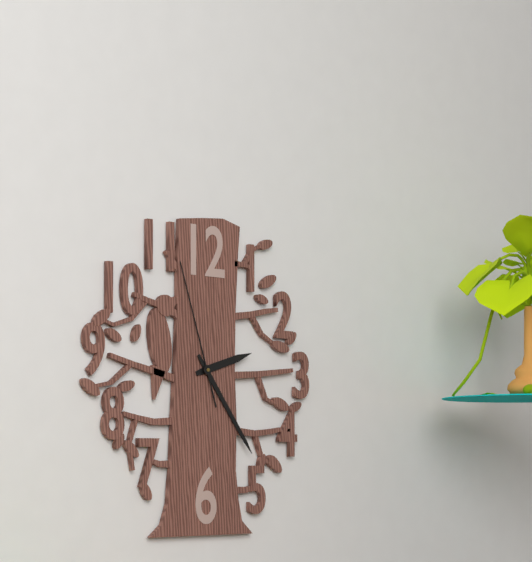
2.24.57
